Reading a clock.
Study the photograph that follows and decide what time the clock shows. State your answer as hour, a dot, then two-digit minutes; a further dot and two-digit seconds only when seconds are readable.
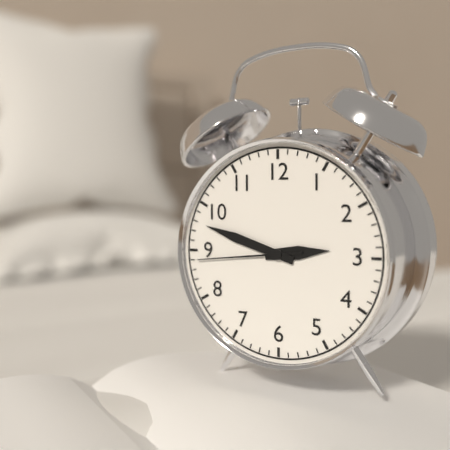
2.48.44
